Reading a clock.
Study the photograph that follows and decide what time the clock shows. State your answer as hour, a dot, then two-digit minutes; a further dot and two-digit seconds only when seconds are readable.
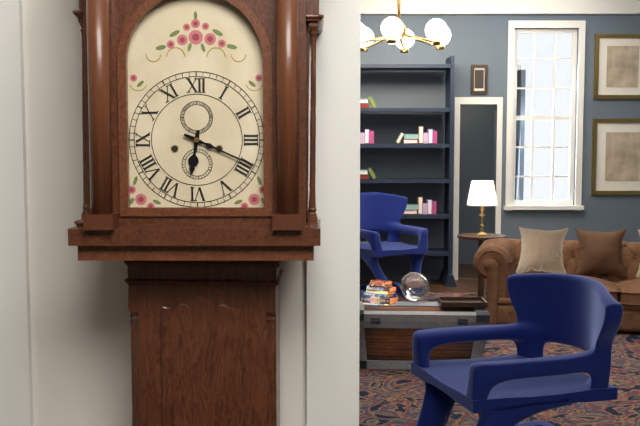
6.19
